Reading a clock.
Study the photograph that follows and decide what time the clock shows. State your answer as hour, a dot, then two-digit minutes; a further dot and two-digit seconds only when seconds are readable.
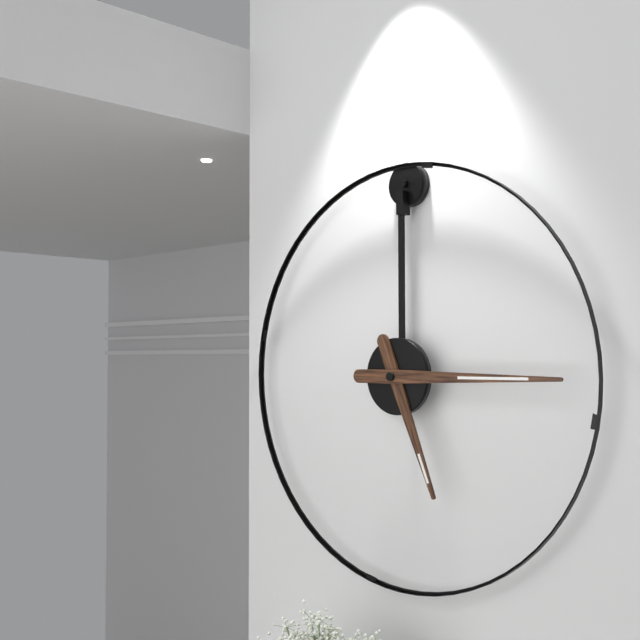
5.15
